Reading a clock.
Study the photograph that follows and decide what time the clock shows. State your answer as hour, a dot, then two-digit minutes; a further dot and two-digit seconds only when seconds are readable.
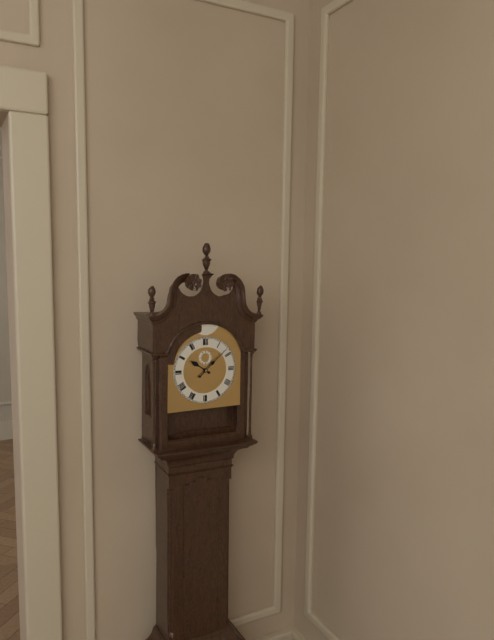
10.08
